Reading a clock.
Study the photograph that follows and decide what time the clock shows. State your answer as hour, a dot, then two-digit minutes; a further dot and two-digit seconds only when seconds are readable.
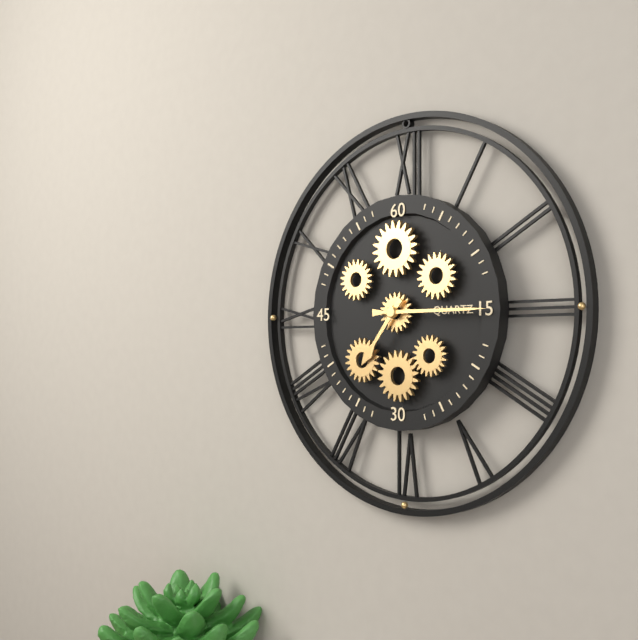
7.15
